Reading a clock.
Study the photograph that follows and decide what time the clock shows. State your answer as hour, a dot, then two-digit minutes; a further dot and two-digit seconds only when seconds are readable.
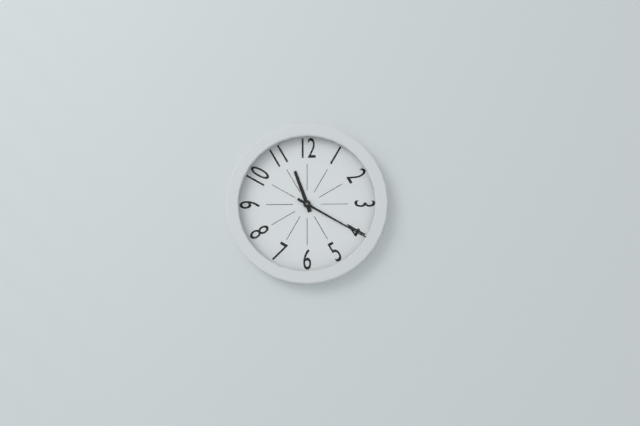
11.20
